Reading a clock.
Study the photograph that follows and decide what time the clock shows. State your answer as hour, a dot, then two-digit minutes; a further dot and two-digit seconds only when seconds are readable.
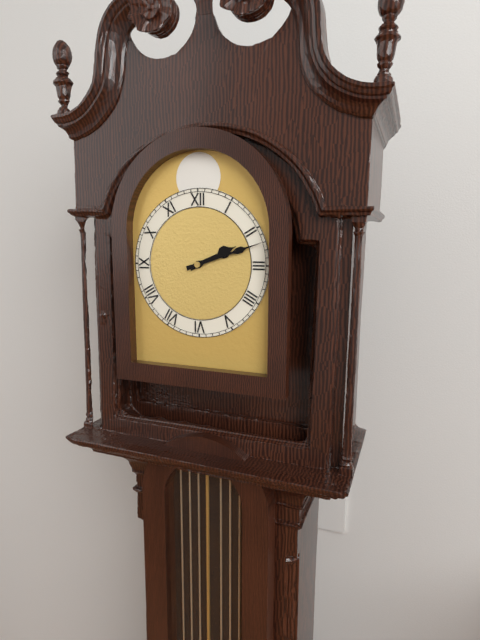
2.12
